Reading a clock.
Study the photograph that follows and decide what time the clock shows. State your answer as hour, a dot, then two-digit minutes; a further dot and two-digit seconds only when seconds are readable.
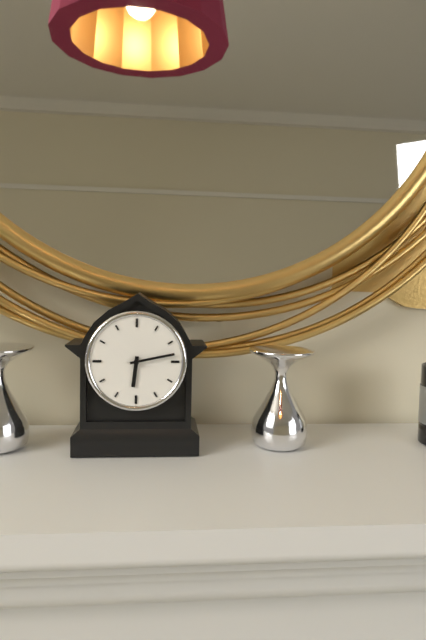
6.13
